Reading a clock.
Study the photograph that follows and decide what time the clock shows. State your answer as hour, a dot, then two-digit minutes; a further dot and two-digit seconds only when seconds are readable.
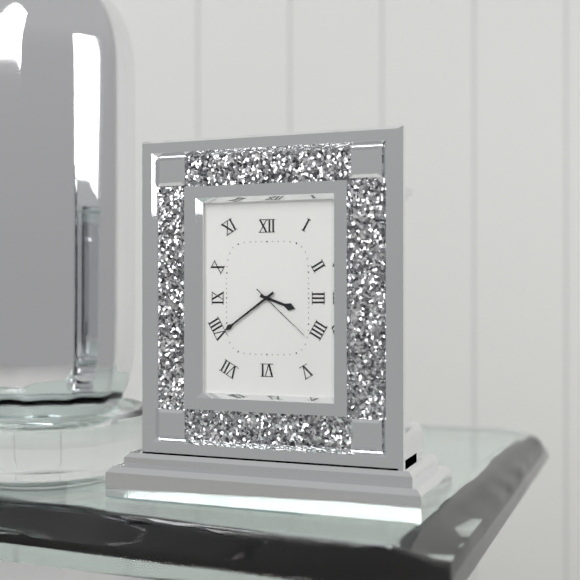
3.39.22
